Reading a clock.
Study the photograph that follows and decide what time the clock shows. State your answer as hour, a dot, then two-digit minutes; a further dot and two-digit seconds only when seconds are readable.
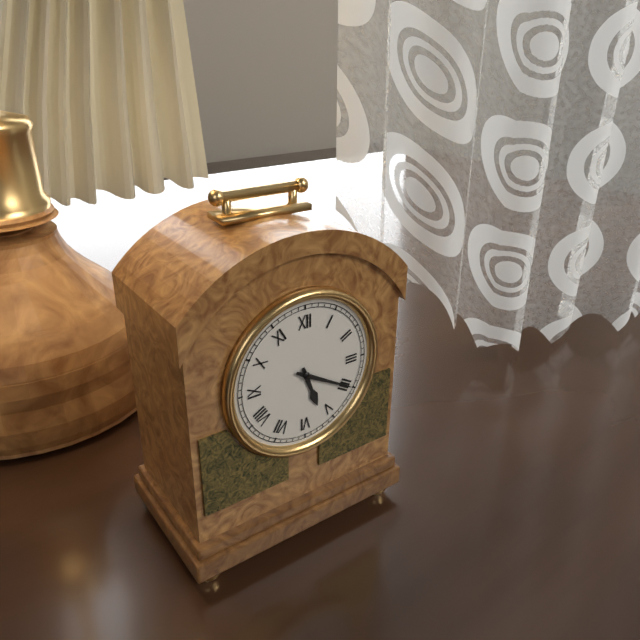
5.20
